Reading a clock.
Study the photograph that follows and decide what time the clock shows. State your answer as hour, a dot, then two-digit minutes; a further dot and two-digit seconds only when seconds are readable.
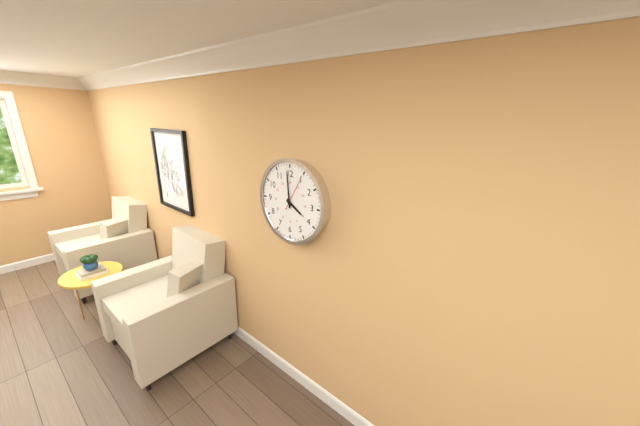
3.59
